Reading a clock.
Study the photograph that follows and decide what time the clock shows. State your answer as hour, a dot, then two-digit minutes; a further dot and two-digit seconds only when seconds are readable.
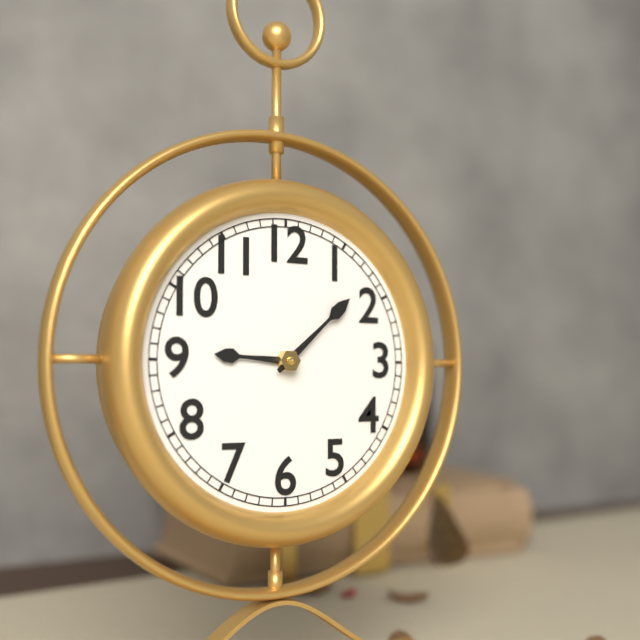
9.08
